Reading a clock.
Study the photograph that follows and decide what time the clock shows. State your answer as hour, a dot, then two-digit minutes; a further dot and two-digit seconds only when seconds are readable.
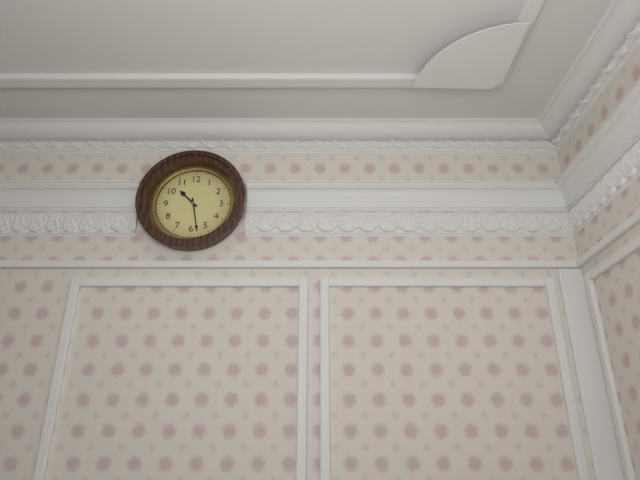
10.28
